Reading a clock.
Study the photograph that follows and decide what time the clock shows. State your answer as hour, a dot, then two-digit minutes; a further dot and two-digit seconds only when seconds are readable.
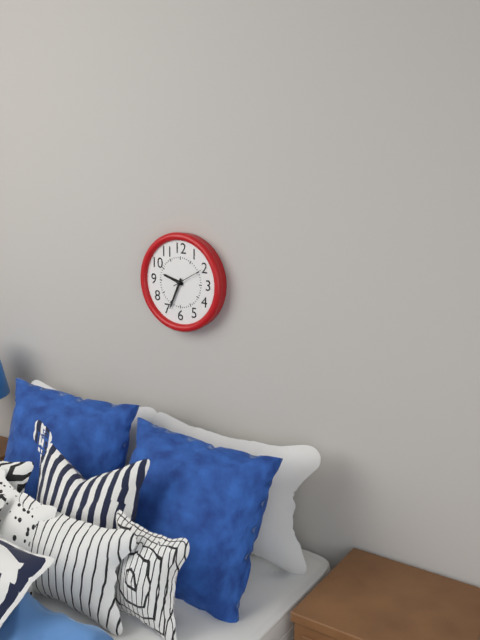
9.34
